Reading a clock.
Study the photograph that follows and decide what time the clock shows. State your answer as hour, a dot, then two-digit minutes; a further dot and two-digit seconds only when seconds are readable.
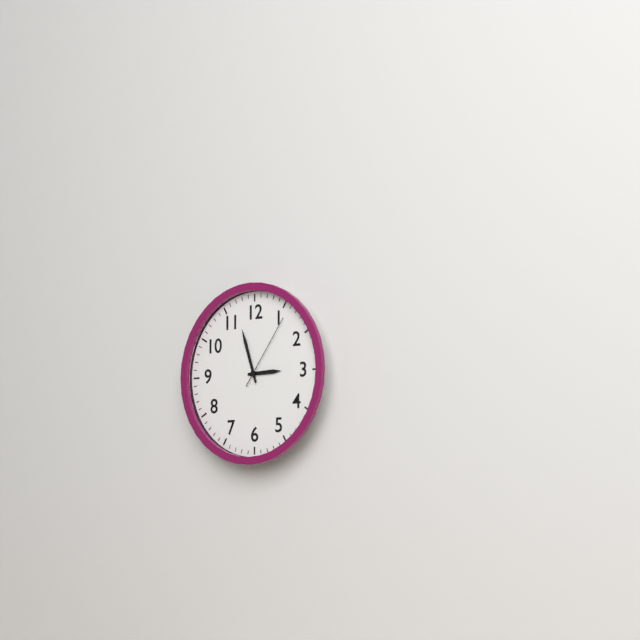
2.57.06
